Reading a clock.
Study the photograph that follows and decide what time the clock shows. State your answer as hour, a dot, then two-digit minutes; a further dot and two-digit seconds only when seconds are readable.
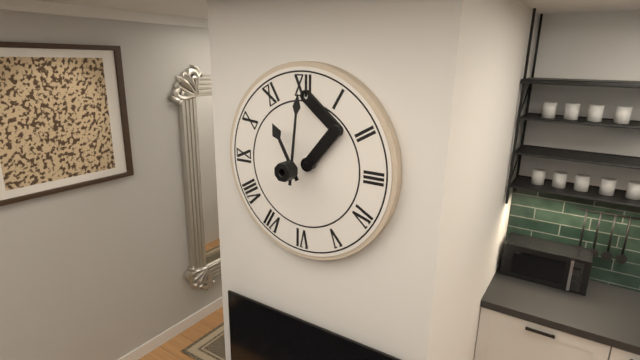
11.01
